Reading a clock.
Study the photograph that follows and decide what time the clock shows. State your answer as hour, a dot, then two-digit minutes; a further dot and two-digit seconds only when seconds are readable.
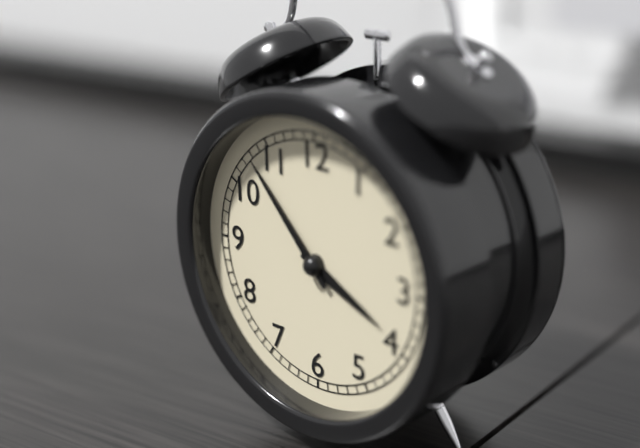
3.53
